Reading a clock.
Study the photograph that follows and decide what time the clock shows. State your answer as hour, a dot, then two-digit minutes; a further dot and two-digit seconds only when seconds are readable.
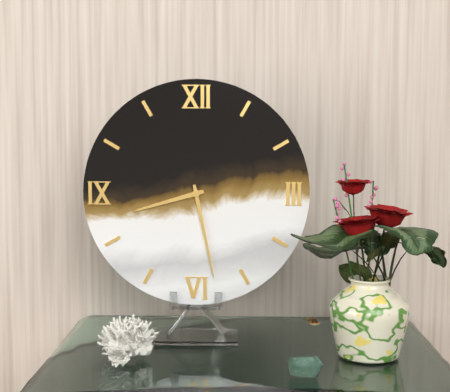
8.28
